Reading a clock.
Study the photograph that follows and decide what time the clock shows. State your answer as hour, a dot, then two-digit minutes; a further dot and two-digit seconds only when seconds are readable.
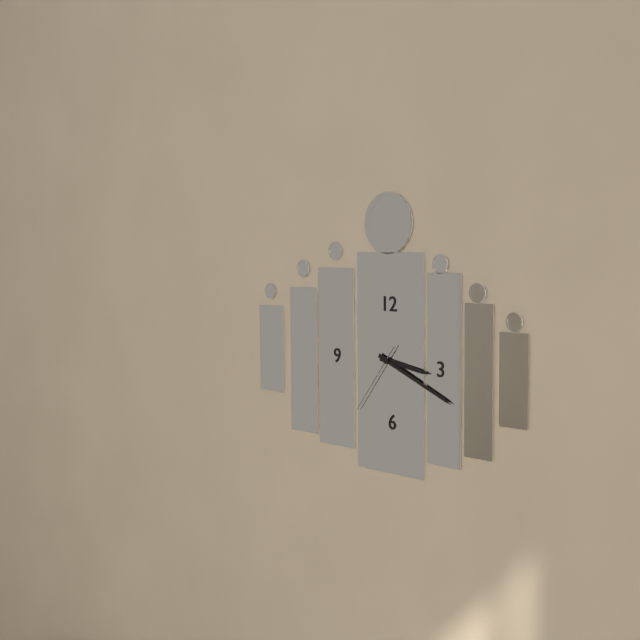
3.19.36
